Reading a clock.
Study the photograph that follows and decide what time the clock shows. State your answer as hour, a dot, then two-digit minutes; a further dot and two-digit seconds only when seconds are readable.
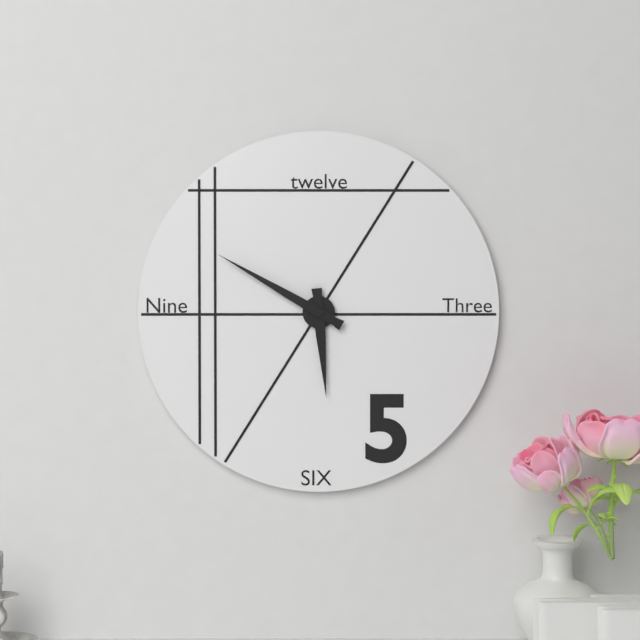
5.50
